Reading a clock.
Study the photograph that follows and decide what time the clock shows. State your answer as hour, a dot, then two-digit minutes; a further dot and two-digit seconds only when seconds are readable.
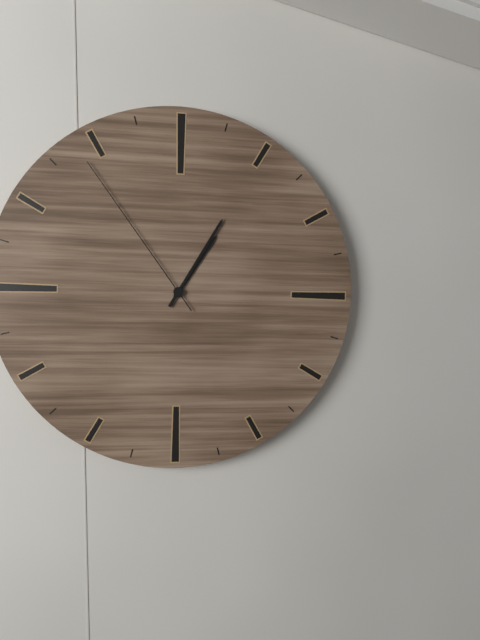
1.05.54
